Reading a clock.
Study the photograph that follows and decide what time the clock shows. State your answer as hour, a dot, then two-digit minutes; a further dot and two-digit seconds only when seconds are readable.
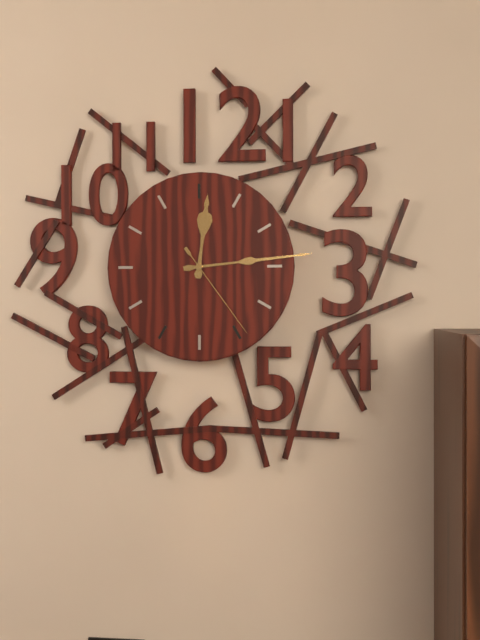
12.14.24
